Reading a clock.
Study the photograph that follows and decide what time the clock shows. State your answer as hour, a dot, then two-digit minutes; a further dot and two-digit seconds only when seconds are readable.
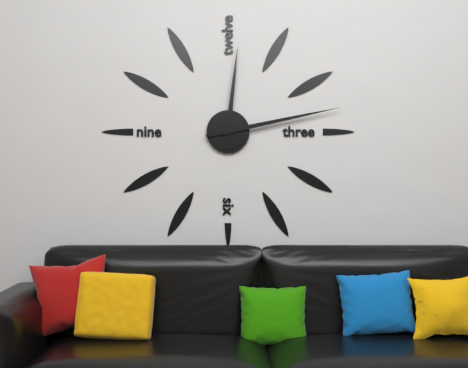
12.13
